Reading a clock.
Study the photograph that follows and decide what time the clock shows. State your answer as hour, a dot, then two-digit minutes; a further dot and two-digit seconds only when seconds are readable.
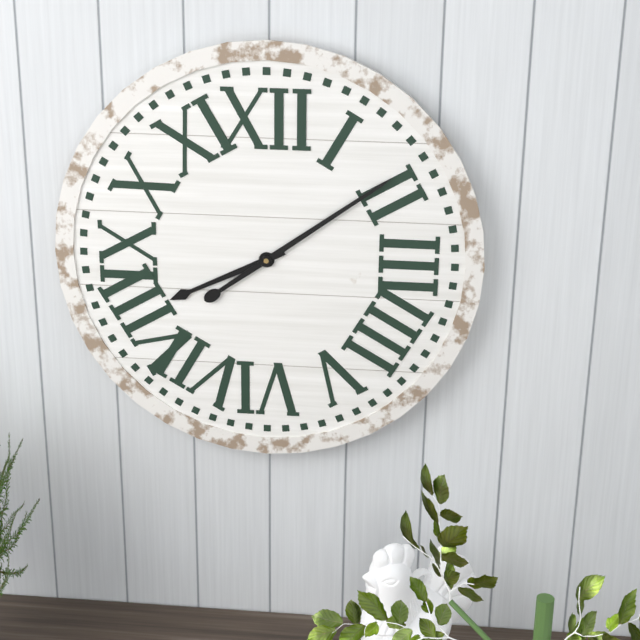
8.09
